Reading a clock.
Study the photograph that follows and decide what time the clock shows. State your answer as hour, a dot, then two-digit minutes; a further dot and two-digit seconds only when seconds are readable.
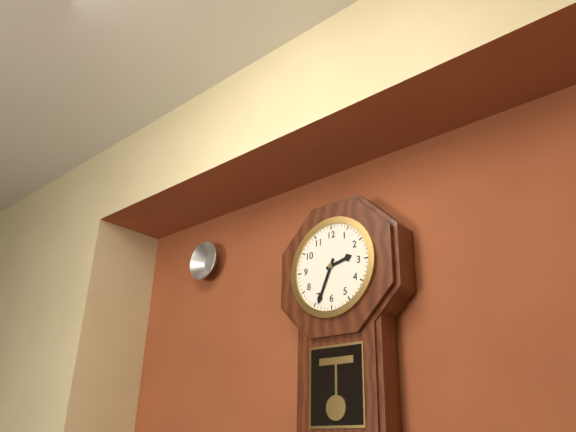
2.34
